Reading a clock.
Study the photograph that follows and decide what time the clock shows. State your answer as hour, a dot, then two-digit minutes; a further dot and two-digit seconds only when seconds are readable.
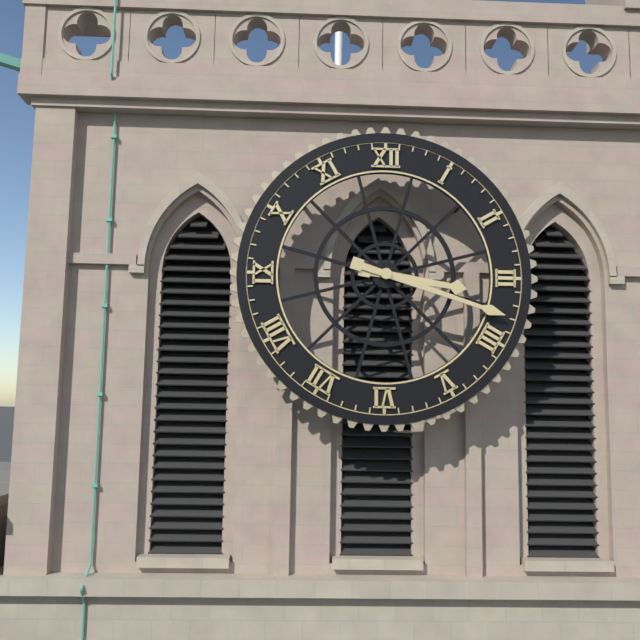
3.18
